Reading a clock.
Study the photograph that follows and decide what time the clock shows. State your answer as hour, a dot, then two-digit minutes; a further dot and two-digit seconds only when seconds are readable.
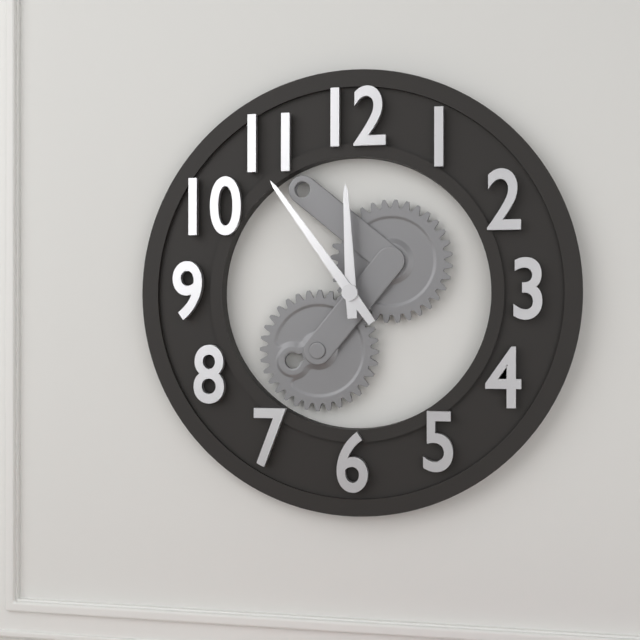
11.54
